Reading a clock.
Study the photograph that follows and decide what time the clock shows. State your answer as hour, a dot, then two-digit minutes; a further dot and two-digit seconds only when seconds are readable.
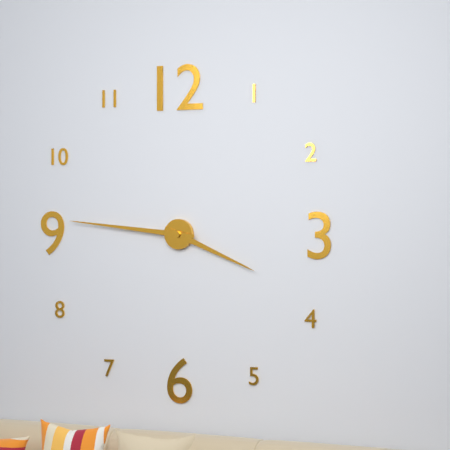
3.46
